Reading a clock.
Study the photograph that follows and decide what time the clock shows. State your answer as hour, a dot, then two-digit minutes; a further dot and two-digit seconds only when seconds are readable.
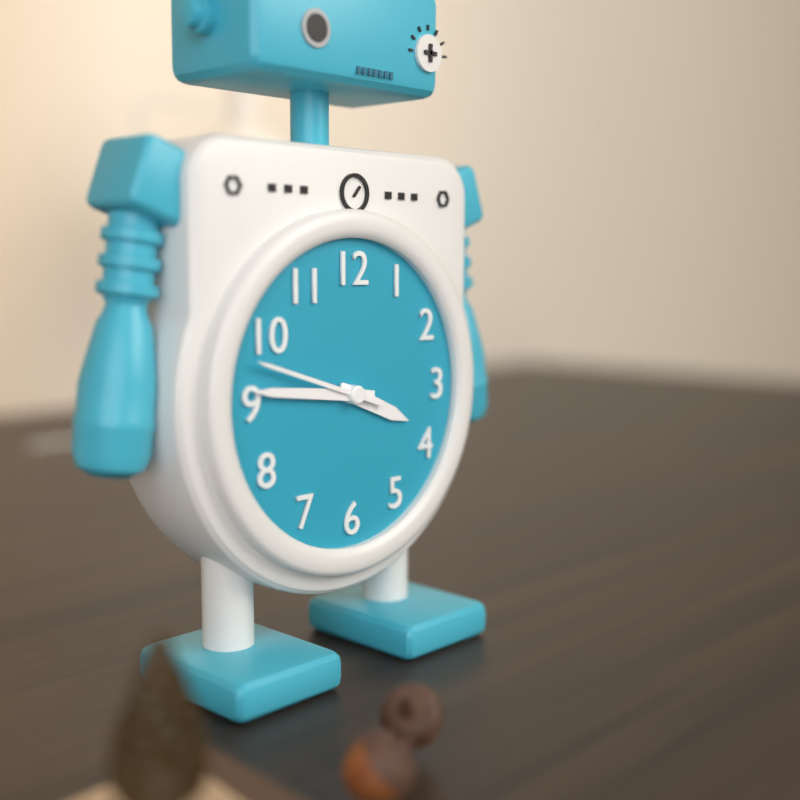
3.46.48
